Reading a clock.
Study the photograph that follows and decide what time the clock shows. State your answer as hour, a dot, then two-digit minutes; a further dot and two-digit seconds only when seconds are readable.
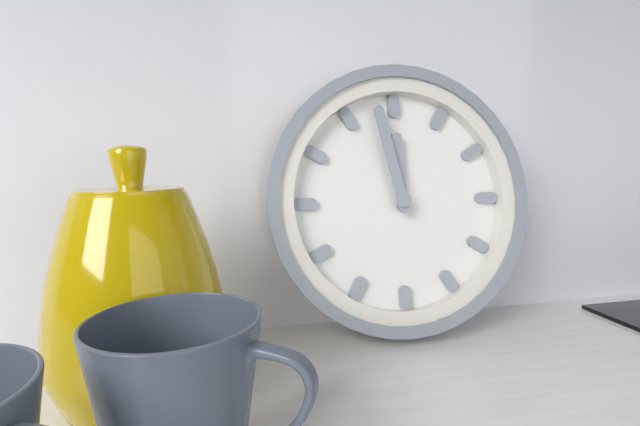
11.58
